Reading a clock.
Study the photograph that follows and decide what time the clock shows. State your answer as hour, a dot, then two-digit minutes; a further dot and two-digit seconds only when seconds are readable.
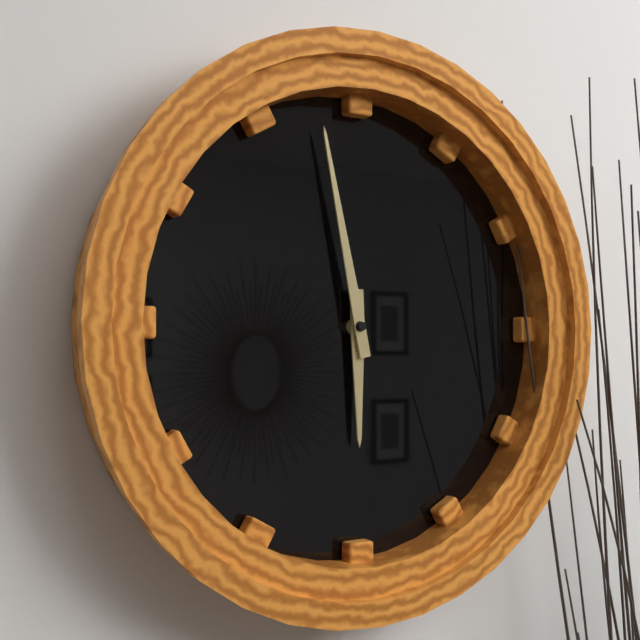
5.58
